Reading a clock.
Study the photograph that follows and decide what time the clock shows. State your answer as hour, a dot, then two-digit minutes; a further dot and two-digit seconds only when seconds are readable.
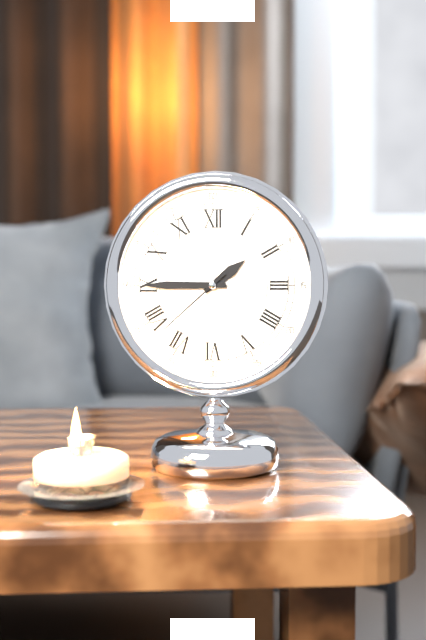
1.45.38
